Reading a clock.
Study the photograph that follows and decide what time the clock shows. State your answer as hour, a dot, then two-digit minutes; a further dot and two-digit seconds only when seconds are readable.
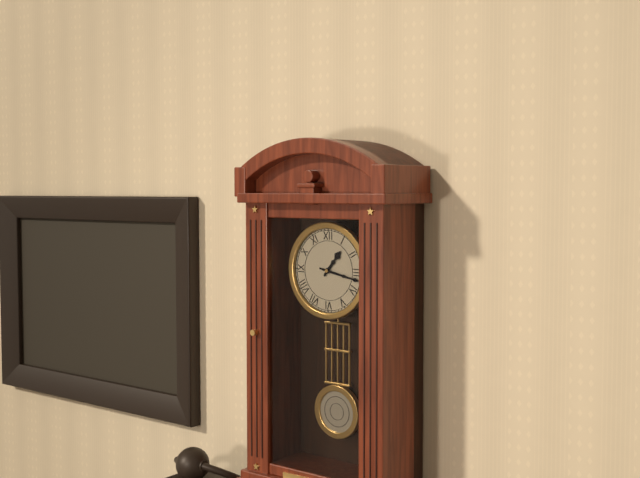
1.17
